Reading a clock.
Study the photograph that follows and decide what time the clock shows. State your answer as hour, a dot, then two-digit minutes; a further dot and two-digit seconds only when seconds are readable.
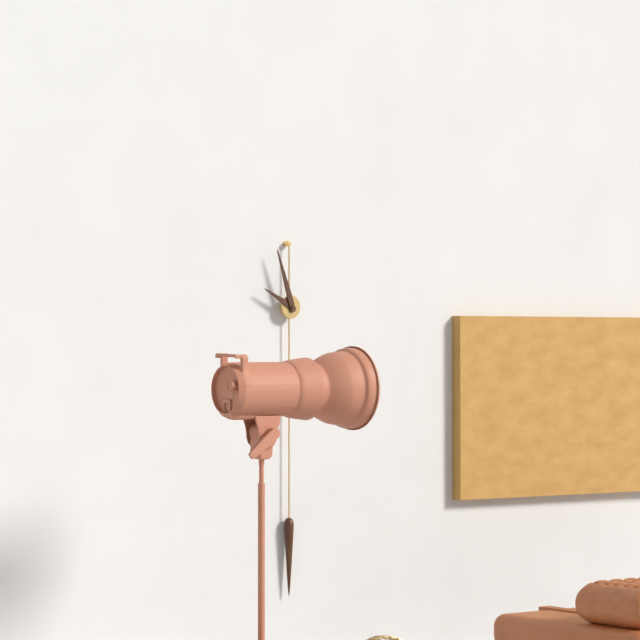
9.57
